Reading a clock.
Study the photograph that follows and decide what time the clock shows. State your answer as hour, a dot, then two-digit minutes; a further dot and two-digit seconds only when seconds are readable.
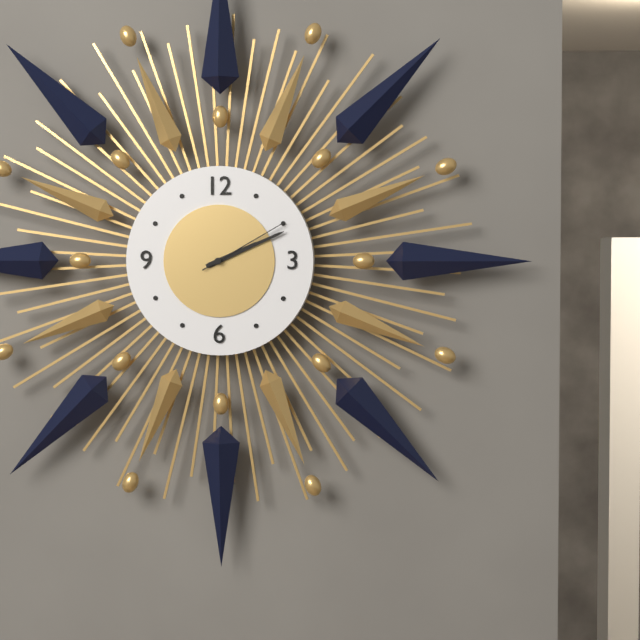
2.11.10
